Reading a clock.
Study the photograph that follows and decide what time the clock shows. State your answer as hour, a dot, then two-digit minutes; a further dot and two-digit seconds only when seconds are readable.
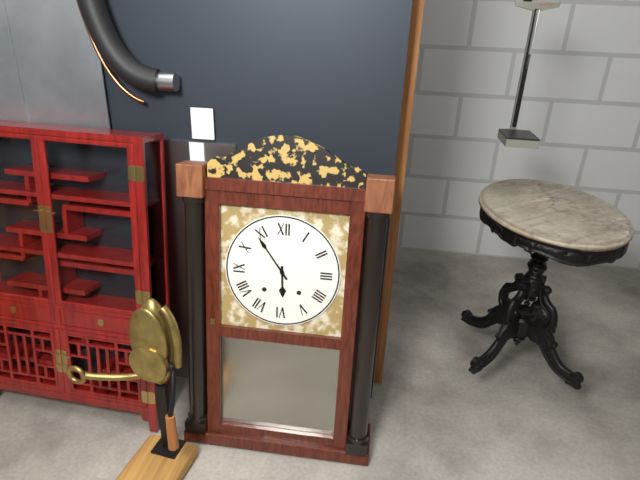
5.54
